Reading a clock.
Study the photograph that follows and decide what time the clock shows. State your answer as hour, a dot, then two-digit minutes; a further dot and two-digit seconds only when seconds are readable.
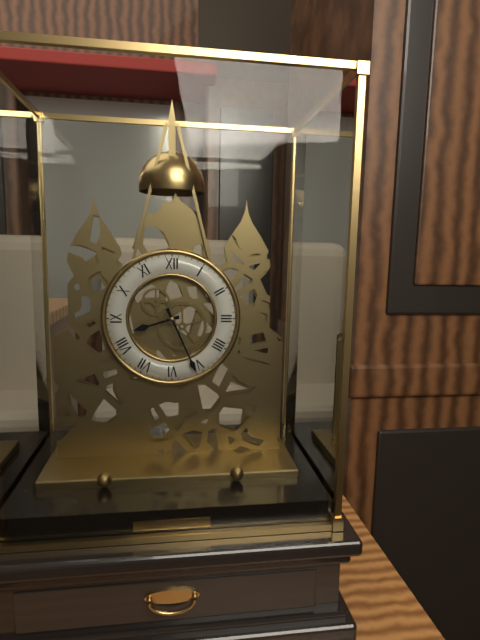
8.26
